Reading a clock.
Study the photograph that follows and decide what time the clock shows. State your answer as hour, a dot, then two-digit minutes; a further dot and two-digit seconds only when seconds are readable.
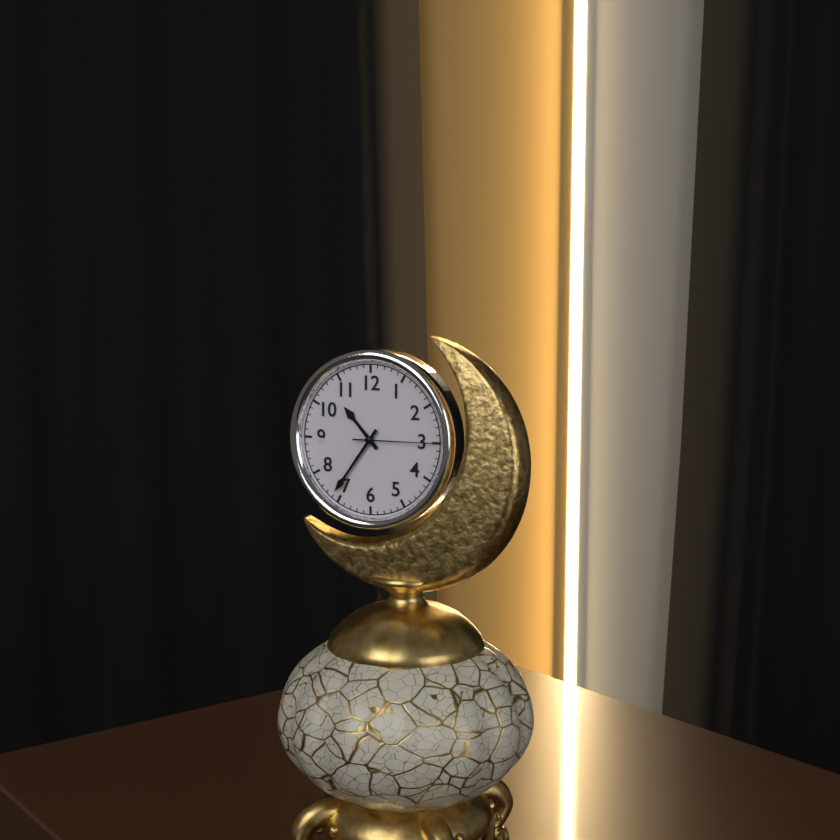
10.36.15
